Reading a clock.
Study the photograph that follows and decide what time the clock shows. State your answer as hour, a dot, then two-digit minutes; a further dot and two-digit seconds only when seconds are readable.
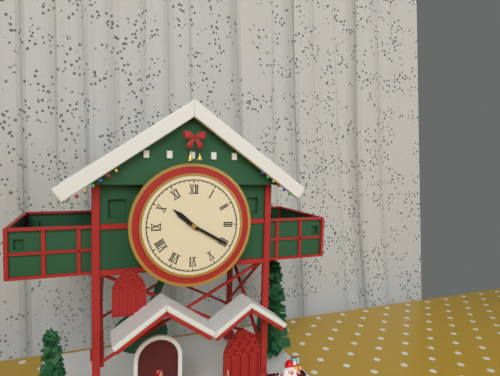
10.20
